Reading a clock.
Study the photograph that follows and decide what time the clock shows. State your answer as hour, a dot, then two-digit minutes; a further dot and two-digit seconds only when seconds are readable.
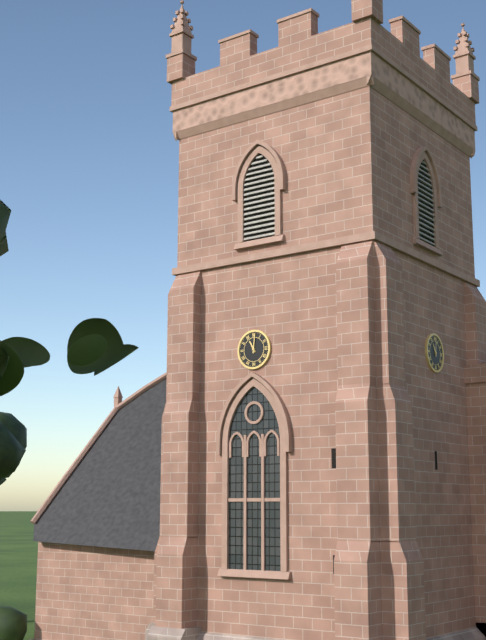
11.01
